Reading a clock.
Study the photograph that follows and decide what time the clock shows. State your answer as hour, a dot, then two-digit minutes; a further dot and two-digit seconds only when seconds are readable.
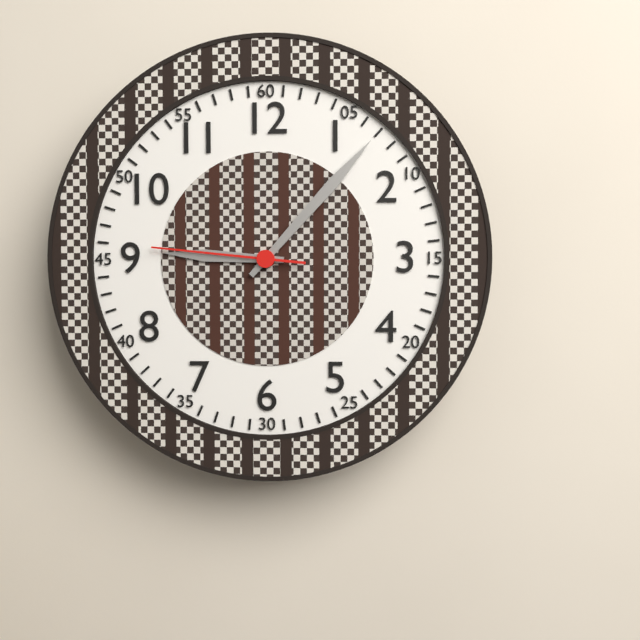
9.07.46
